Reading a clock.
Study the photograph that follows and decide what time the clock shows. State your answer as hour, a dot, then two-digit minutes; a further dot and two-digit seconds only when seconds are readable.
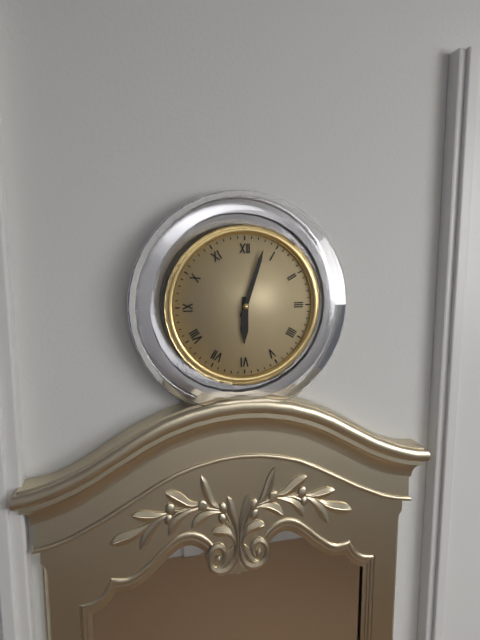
6.03
